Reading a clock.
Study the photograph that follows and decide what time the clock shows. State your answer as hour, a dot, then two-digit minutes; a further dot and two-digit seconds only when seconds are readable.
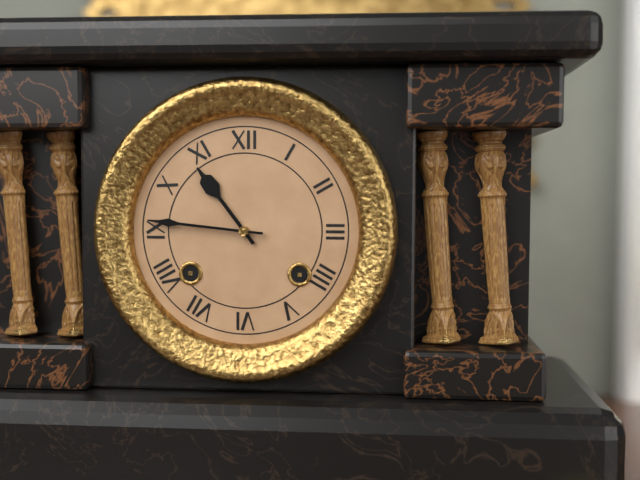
10.46
